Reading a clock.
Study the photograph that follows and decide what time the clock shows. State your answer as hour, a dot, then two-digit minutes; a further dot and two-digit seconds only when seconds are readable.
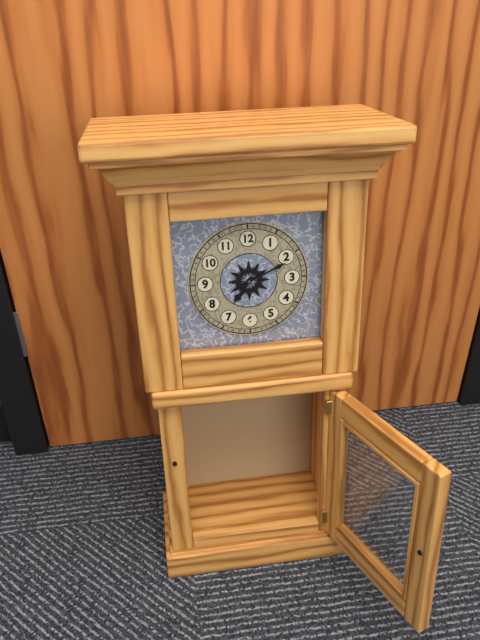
7.11
